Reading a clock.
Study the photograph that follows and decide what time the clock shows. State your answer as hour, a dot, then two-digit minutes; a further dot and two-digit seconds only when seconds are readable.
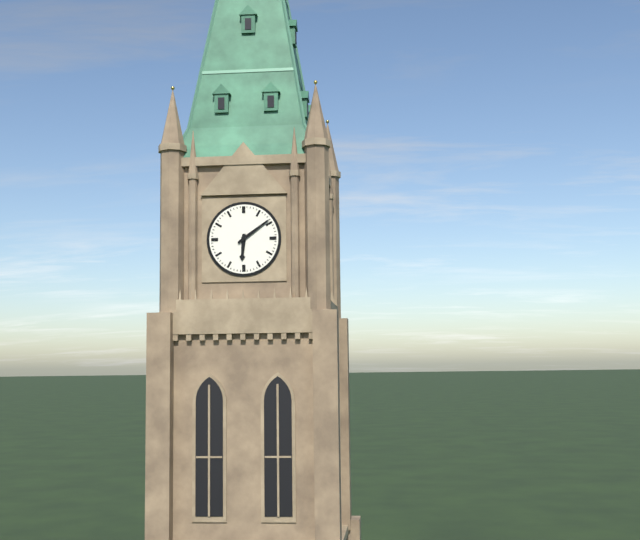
6.09
